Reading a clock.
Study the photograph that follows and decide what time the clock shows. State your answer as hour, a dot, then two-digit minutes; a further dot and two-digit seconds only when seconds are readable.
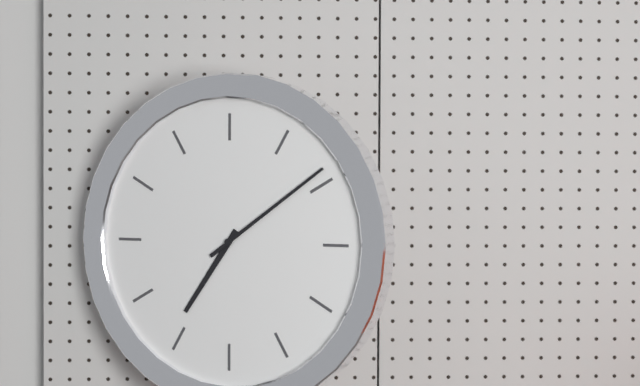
7.09
